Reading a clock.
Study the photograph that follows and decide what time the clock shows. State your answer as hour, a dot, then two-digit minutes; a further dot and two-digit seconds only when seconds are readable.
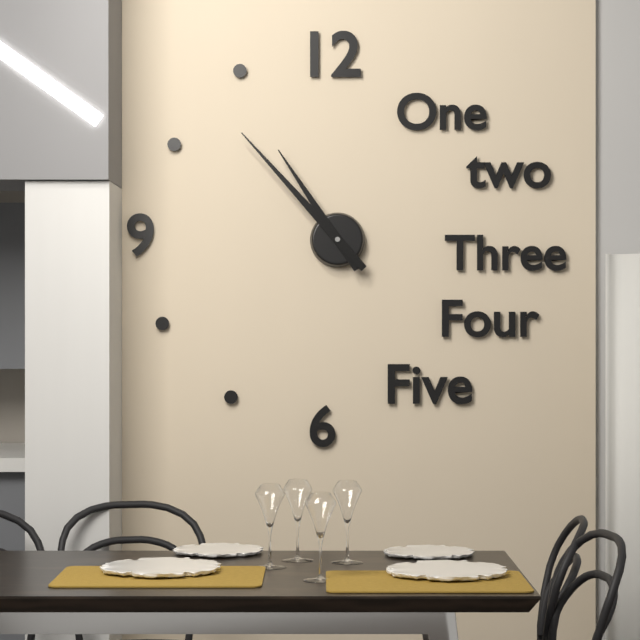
10.53
